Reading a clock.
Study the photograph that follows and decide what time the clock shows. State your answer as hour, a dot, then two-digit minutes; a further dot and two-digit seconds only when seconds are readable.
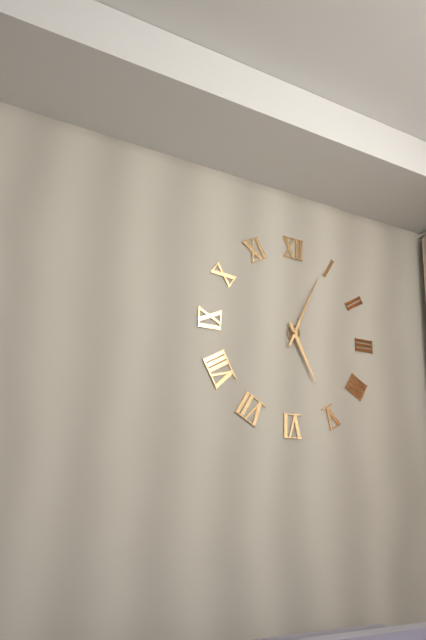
5.04
